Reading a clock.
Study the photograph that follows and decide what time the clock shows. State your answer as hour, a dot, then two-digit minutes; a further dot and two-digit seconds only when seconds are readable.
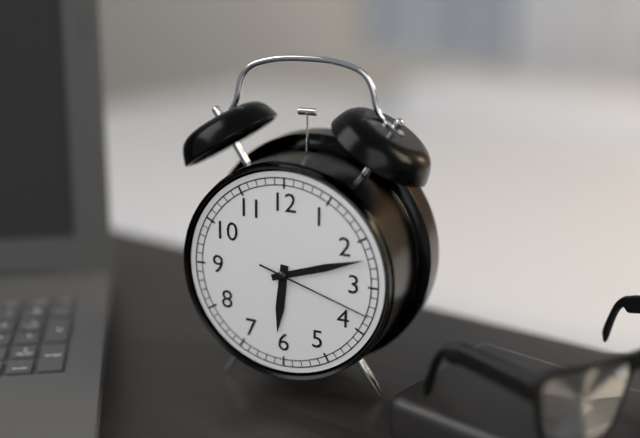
6.12.18
